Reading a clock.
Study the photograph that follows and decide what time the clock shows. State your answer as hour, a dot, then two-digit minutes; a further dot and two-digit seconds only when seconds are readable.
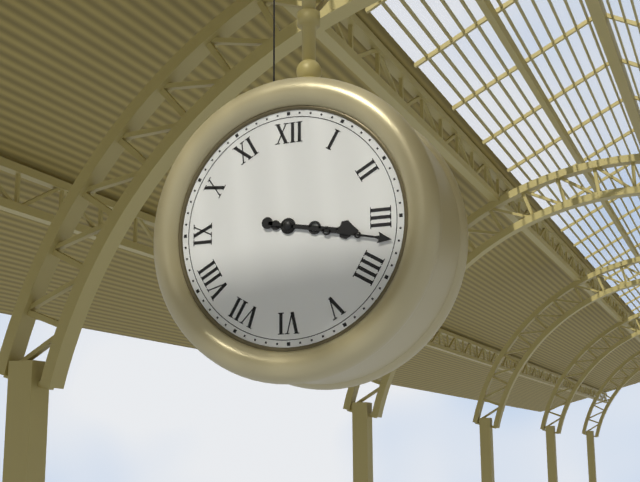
3.17
